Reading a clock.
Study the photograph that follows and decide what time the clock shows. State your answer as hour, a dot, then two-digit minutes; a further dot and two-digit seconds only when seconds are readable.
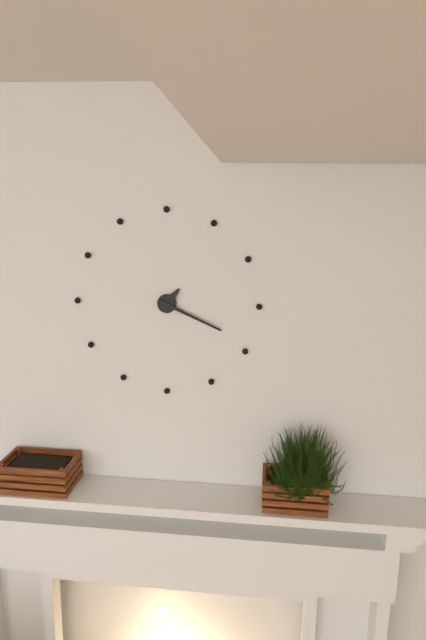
1.19
